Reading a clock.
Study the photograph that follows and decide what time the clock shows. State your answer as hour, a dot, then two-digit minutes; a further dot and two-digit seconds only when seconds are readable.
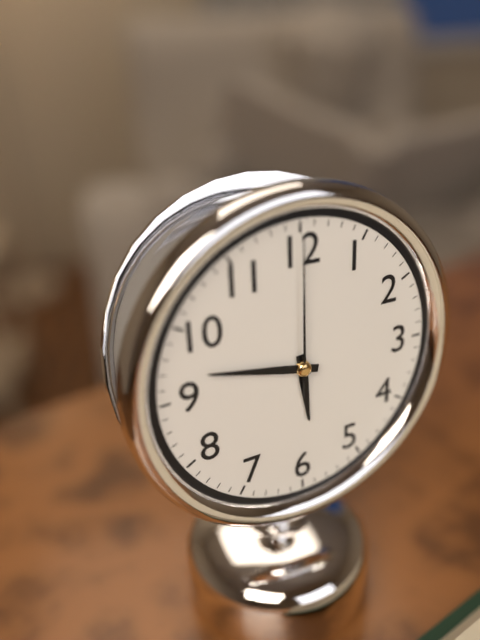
5.47.00
